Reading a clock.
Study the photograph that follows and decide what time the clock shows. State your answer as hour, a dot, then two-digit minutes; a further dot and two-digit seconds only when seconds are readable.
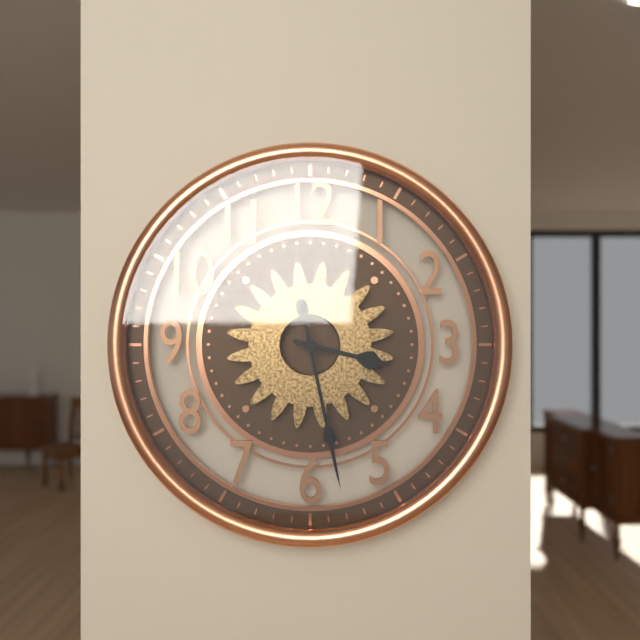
3.28
